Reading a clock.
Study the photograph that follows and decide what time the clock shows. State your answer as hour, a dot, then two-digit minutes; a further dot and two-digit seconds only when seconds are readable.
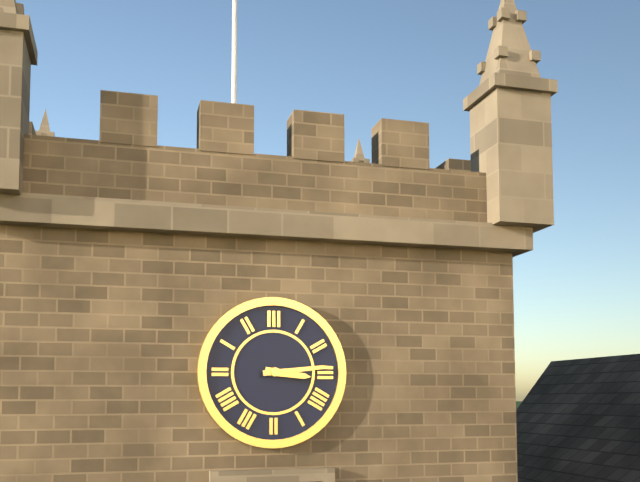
3.14
